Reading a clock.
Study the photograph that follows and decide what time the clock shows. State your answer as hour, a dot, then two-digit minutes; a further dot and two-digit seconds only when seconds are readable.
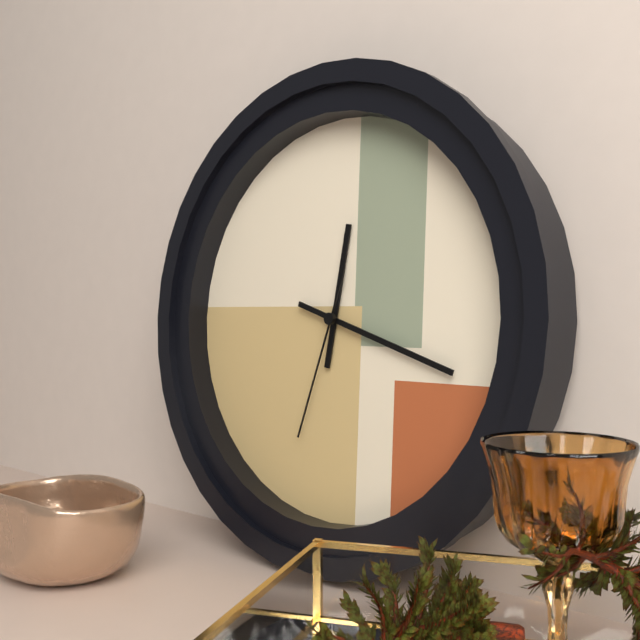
12.18.33
